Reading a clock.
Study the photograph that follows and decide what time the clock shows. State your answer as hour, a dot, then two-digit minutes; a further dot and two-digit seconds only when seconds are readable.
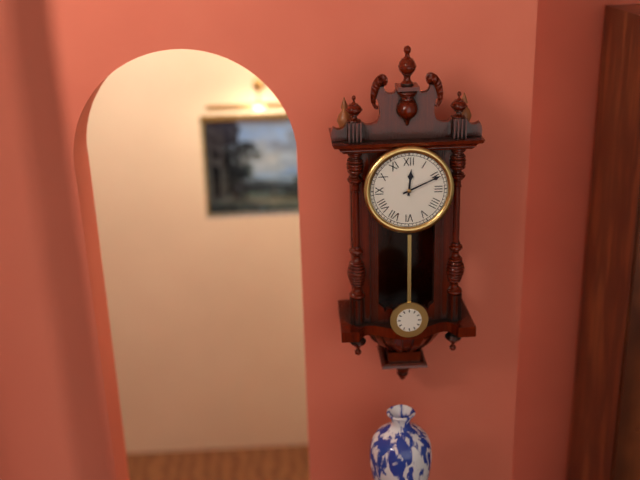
12.11
